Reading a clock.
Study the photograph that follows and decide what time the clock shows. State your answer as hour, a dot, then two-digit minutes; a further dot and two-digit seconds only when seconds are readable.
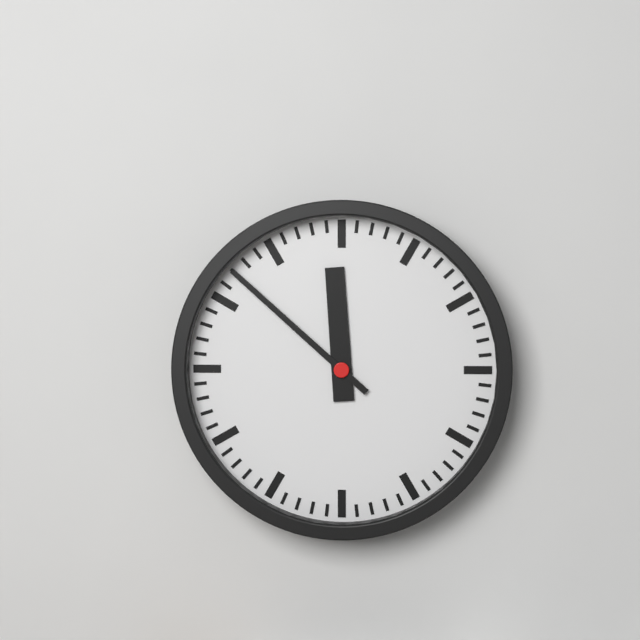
11.52
